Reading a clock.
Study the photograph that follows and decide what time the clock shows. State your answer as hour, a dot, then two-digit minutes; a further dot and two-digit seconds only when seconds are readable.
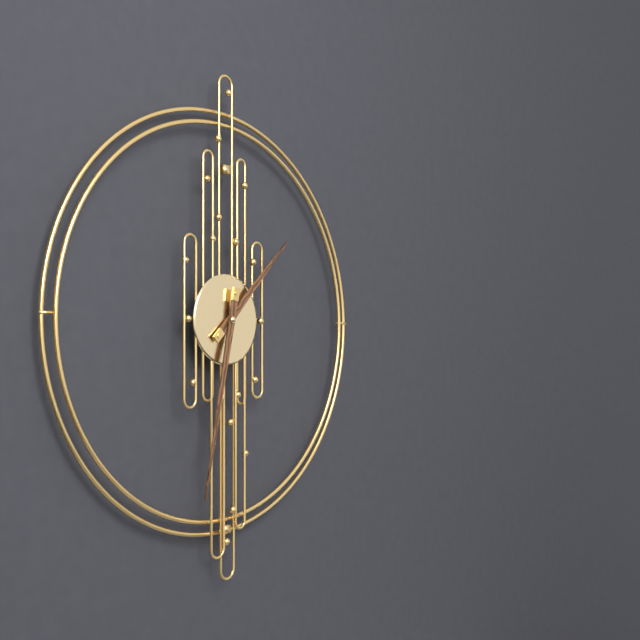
1.32
